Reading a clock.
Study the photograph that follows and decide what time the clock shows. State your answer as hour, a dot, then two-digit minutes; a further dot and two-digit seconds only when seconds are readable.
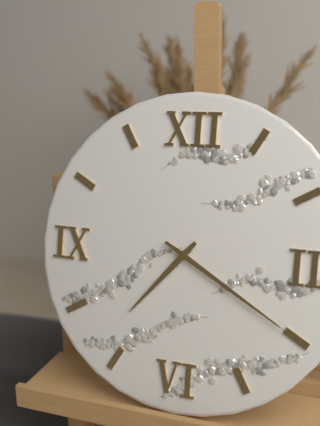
7.20
